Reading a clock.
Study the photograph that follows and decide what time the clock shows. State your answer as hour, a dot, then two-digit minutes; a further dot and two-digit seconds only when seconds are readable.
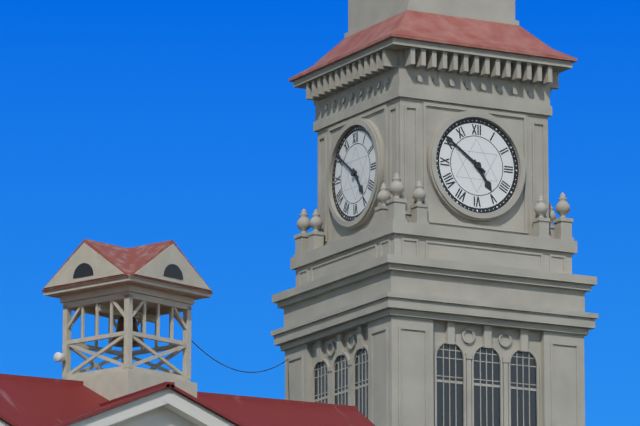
4.51
